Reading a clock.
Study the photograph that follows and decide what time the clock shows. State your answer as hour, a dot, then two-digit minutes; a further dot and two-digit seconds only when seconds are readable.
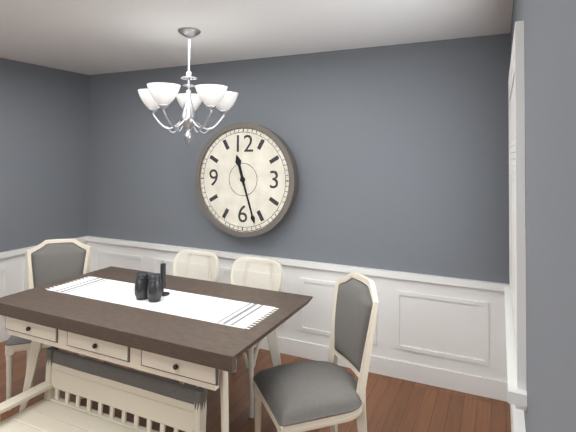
11.27
